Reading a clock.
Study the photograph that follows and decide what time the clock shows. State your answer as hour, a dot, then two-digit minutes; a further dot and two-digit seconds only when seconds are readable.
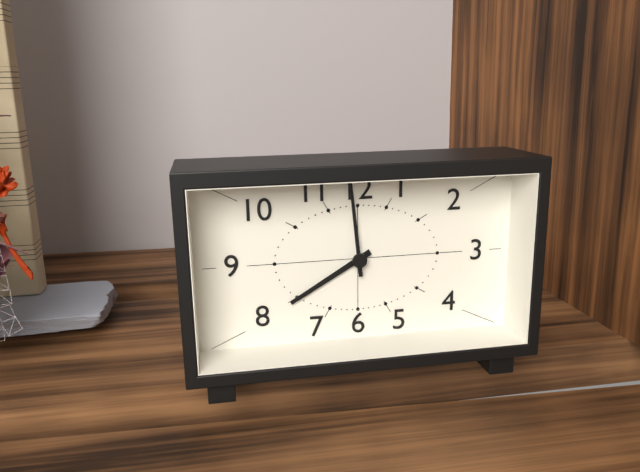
7.59
